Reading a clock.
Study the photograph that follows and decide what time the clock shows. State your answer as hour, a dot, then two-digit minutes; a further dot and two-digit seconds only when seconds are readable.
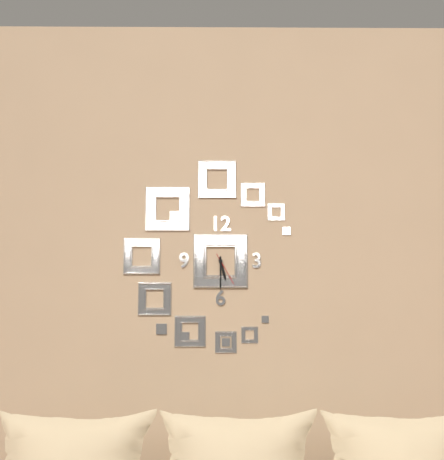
5.30
